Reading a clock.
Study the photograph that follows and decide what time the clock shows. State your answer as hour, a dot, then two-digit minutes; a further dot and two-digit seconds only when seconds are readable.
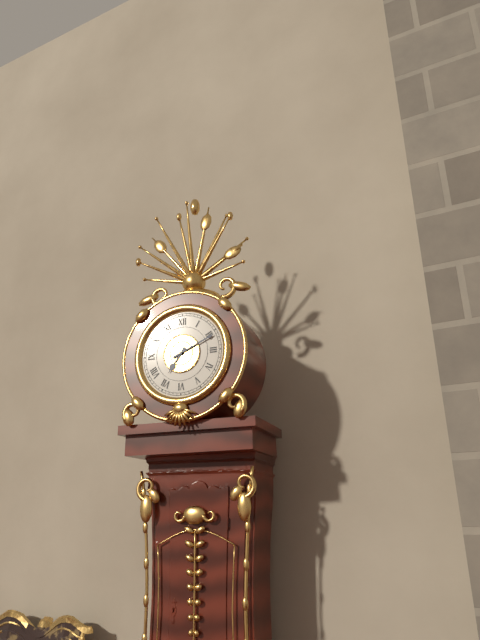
7.11
